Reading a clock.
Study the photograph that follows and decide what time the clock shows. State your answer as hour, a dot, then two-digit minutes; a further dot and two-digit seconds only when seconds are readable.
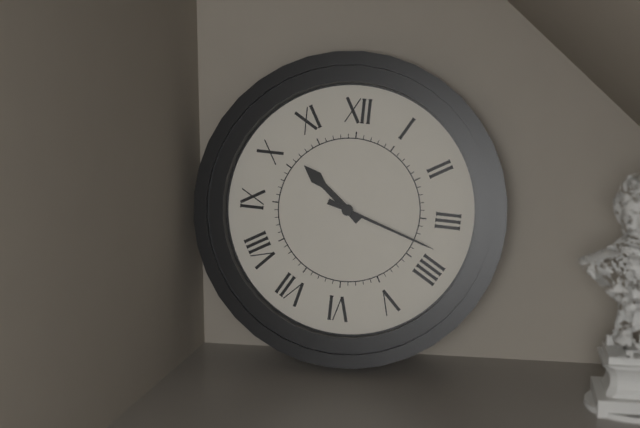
10.18
